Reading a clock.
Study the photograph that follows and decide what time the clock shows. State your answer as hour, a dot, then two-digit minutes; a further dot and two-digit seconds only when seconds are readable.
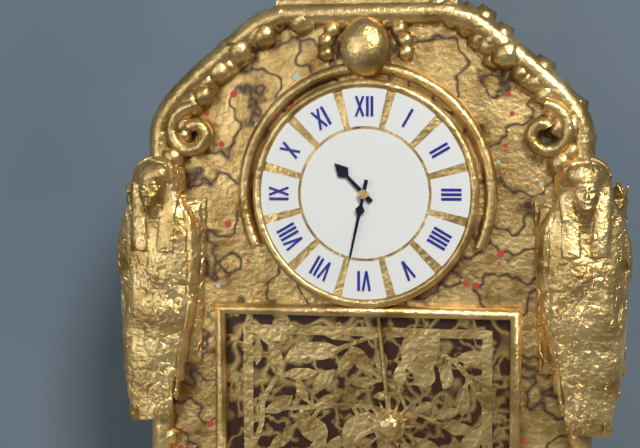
10.32
